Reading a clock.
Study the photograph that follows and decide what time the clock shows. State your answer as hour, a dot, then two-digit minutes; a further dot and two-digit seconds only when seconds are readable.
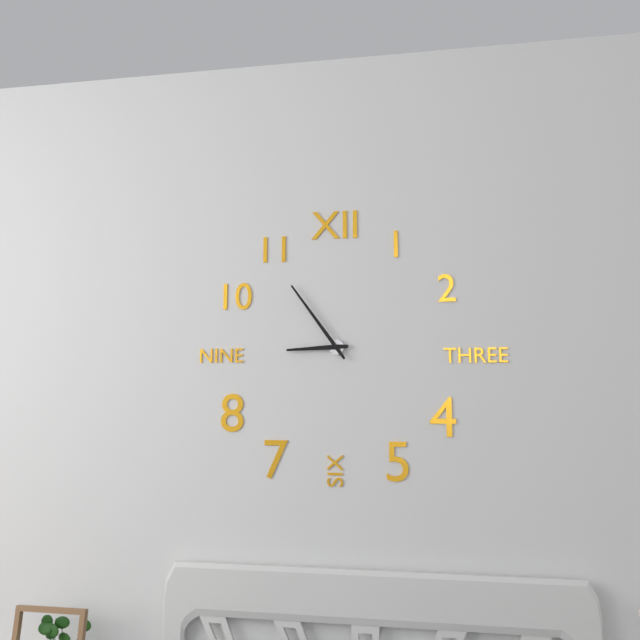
8.54
